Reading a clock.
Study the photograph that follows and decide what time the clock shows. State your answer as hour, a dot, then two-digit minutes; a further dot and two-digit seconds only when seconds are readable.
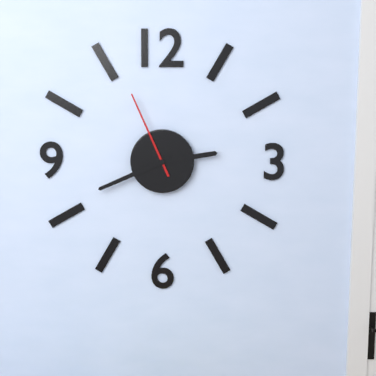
2.41.56
